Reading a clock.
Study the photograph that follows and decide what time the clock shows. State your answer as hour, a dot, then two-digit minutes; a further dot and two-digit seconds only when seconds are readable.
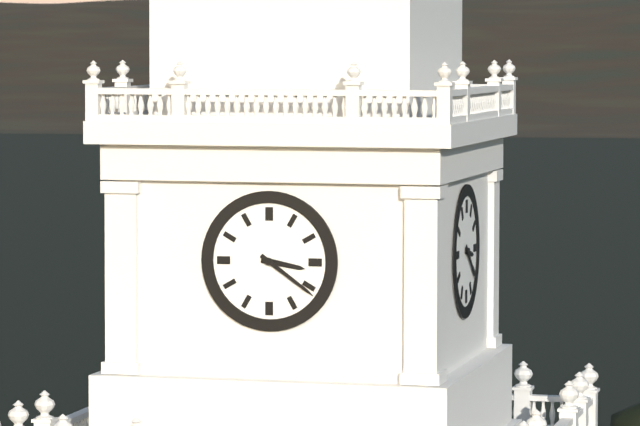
3.21
